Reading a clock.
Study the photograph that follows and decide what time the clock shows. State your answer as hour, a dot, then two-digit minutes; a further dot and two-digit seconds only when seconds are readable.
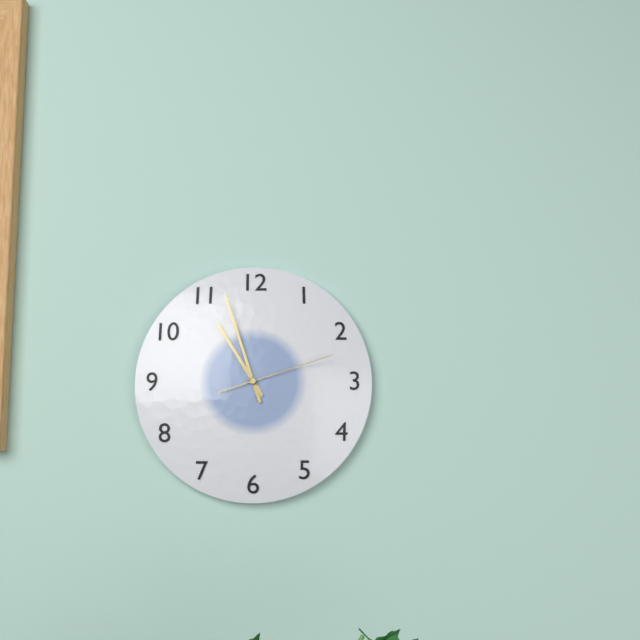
10.57.12
